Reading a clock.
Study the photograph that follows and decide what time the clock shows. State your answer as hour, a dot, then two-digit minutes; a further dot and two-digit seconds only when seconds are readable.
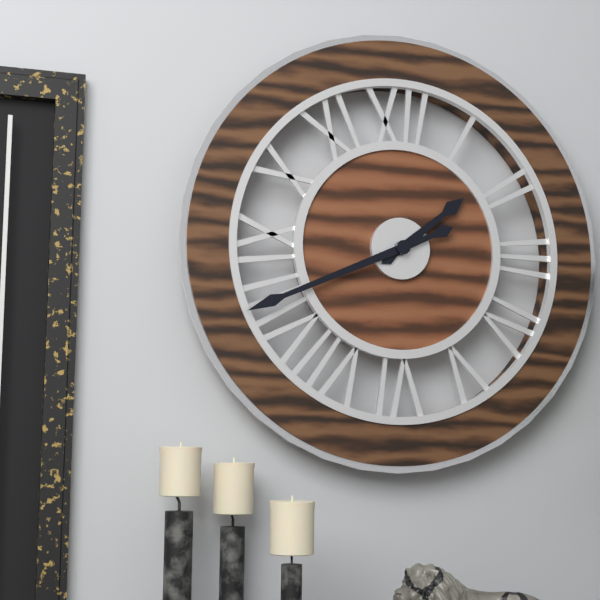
1.41
